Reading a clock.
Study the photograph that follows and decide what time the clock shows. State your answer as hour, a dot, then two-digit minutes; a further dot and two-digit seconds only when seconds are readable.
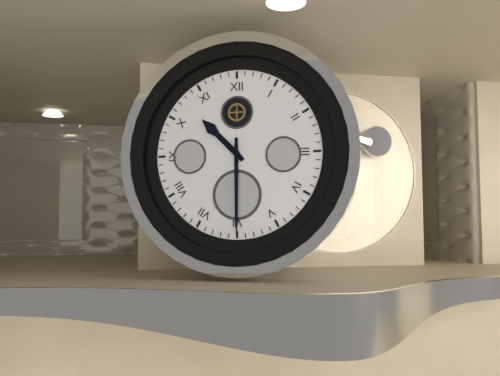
10.30
